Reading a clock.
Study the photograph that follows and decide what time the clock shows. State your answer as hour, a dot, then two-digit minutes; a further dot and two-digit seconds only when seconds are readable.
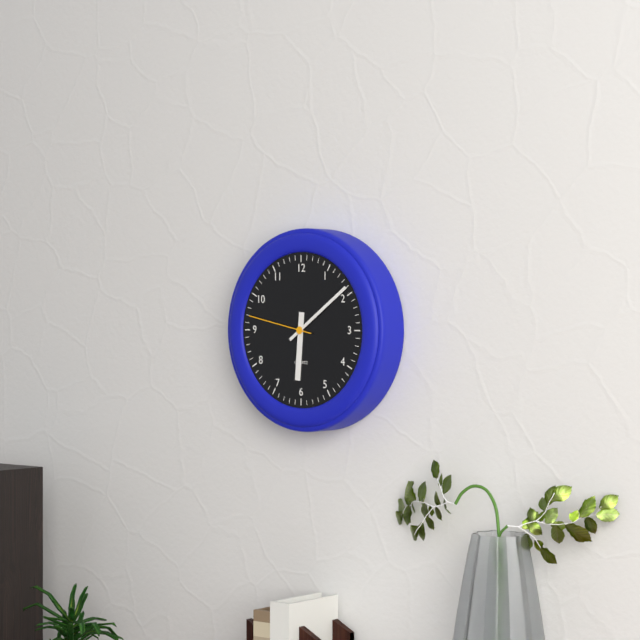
6.09.47
